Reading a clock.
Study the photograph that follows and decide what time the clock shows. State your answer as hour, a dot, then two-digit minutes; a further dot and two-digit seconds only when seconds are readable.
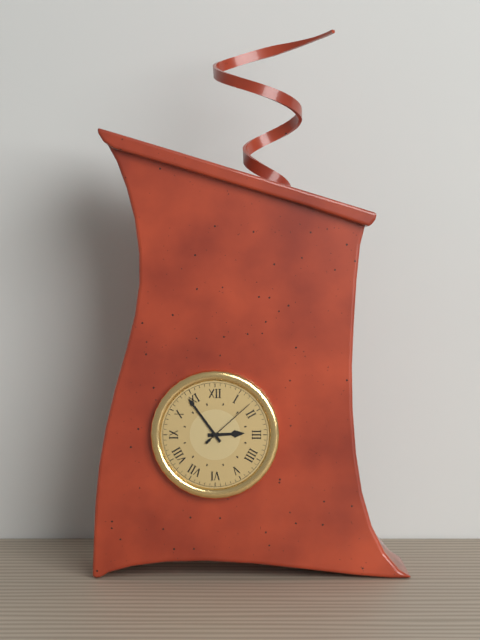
2.54.08
